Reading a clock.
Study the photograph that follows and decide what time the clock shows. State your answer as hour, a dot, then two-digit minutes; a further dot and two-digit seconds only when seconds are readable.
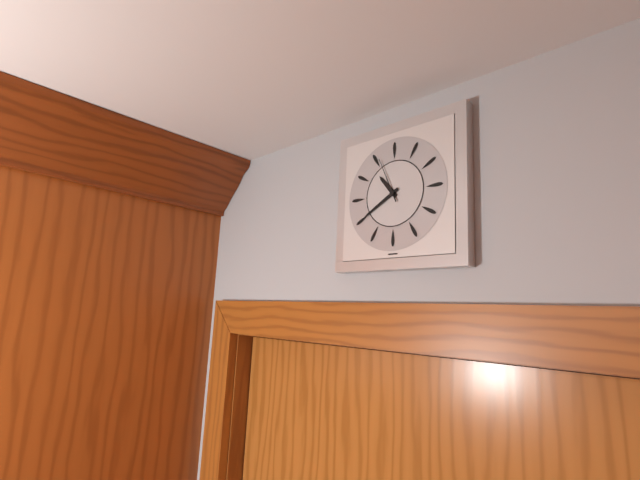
10.40
